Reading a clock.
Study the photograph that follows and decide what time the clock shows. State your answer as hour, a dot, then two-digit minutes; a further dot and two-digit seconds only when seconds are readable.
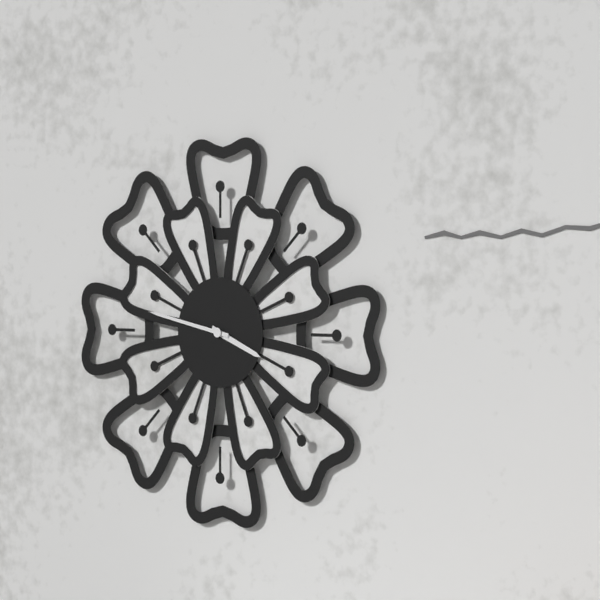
3.47
